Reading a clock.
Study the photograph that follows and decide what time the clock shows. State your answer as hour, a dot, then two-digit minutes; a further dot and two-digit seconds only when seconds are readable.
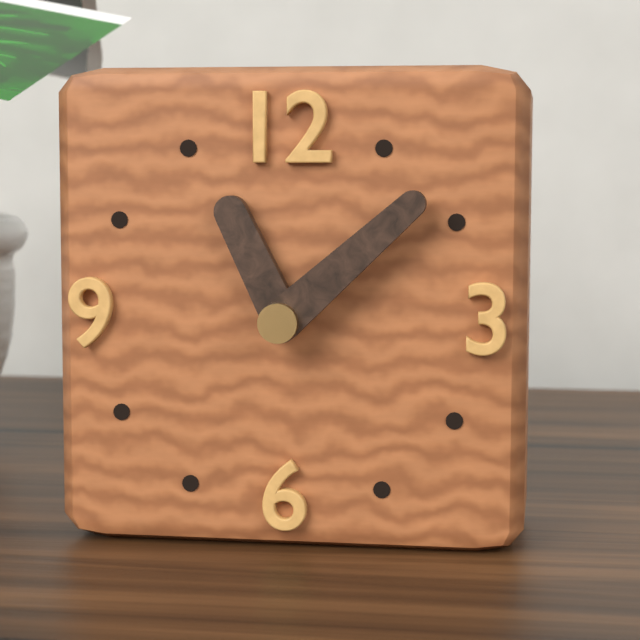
11.08
